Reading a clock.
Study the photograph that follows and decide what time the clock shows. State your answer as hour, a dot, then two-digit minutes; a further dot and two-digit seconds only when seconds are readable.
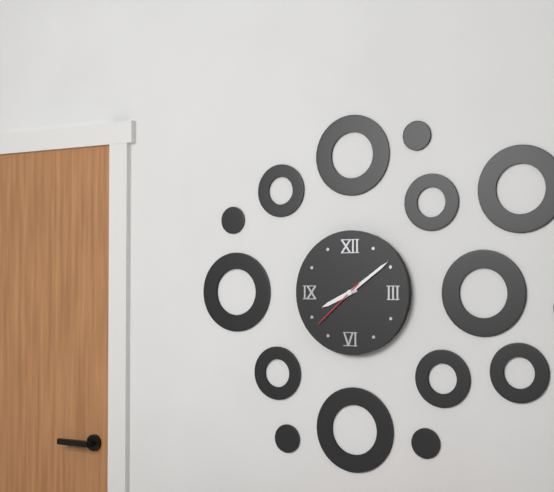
8.09.38
